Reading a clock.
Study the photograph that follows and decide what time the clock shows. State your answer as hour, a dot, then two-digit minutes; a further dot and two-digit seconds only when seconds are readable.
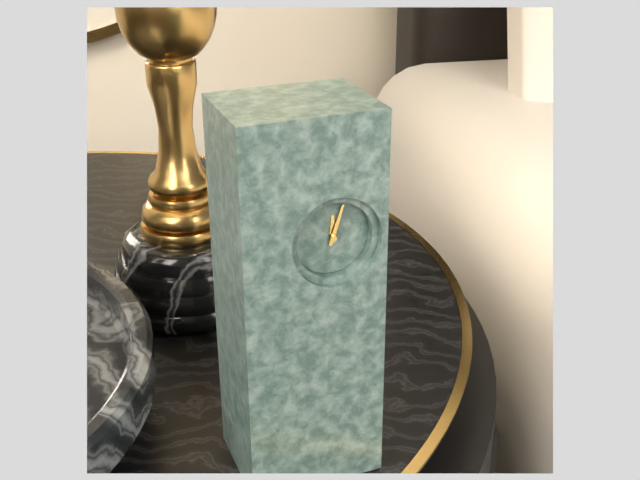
12.03
